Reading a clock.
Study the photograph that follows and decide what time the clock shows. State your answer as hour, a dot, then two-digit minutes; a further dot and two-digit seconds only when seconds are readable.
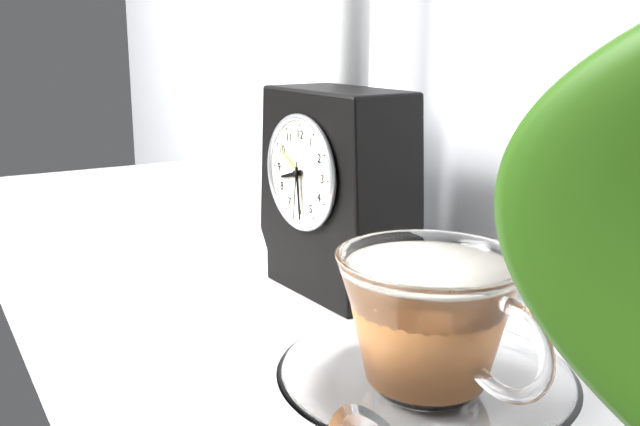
8.29.31
